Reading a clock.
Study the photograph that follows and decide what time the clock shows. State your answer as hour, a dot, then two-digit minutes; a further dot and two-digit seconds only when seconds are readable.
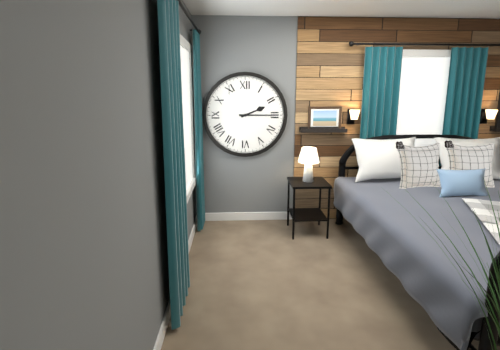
2.15
